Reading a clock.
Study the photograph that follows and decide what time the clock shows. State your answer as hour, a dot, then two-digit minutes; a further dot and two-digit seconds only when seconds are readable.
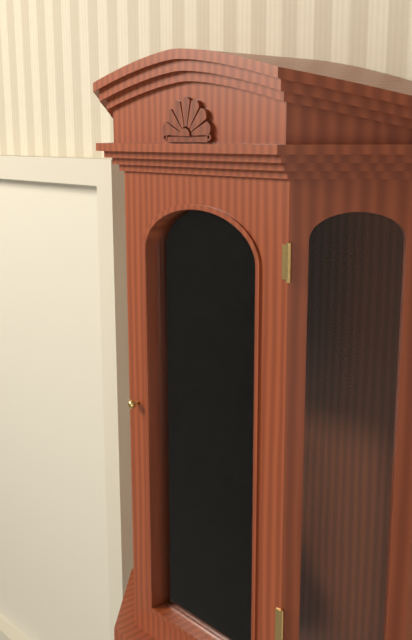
10.54
